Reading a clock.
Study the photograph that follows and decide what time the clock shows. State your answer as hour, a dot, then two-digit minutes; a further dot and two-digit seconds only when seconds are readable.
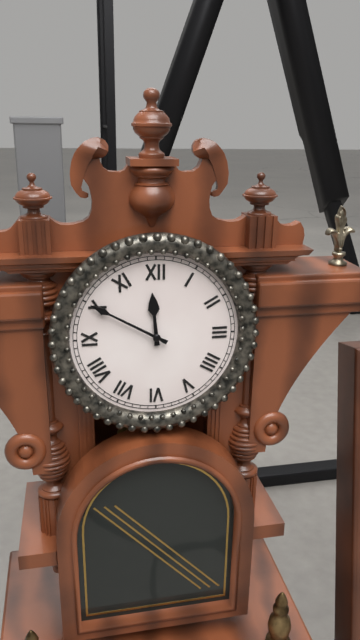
11.50
